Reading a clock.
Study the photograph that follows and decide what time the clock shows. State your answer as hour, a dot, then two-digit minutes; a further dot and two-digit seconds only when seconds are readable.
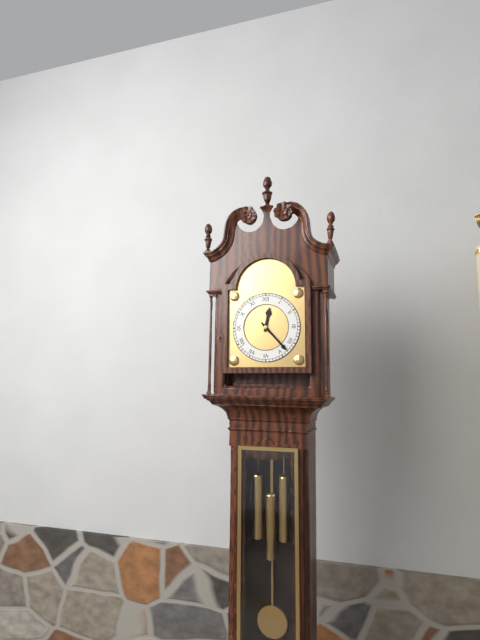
12.23
